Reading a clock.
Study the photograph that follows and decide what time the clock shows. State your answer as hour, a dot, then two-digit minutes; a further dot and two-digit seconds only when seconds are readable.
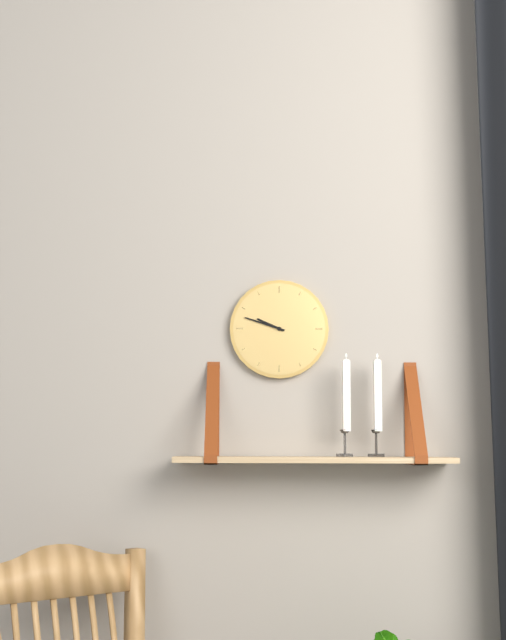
9.48
